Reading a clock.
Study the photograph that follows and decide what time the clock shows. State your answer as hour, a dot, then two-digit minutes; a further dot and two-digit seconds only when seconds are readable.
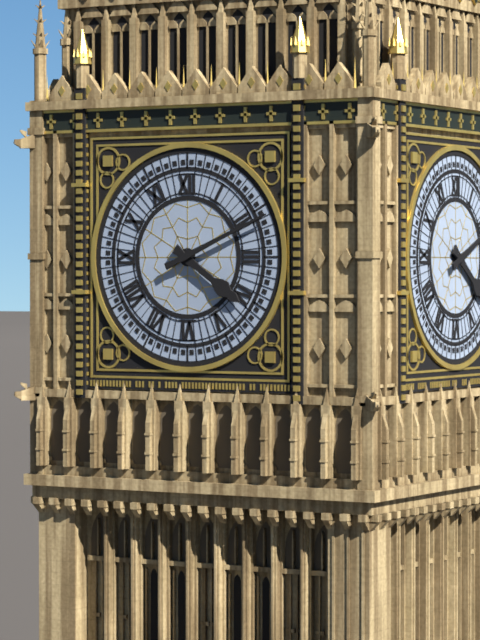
4.11
